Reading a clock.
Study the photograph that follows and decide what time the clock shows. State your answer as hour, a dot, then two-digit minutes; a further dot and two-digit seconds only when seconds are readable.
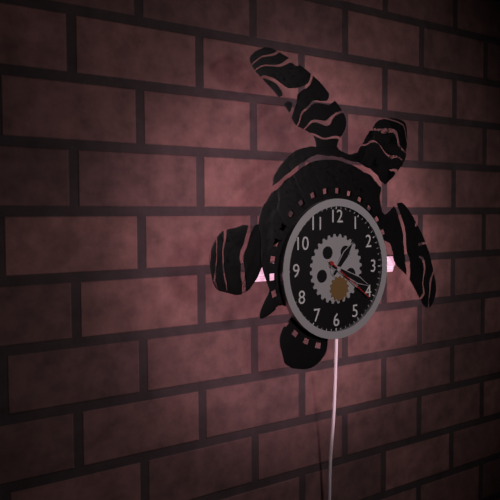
1.19.21
